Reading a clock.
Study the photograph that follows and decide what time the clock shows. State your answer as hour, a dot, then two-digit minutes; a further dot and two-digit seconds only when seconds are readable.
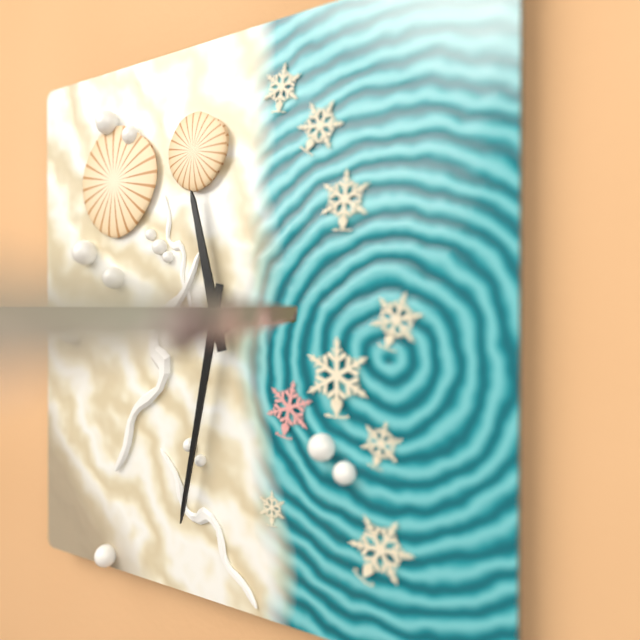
11.32
